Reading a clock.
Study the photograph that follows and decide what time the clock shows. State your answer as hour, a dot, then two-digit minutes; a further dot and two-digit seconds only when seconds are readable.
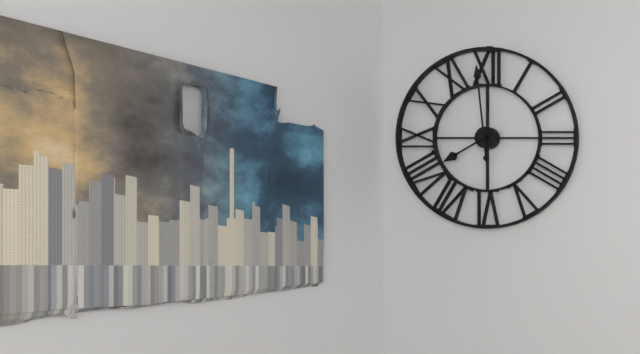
7.59
